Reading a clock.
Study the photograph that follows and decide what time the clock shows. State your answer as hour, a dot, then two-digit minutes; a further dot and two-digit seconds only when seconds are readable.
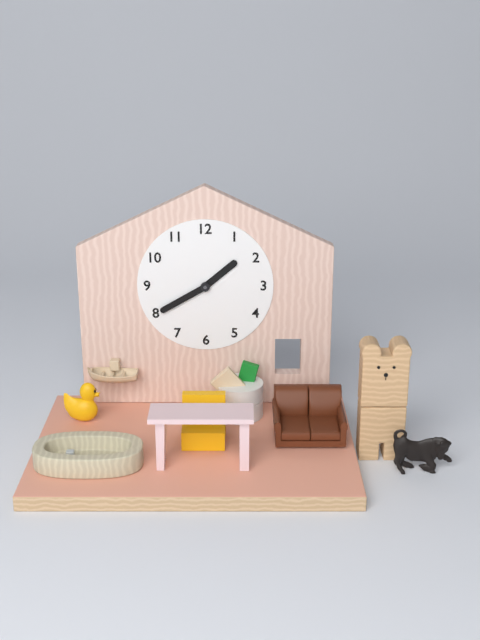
1.40
